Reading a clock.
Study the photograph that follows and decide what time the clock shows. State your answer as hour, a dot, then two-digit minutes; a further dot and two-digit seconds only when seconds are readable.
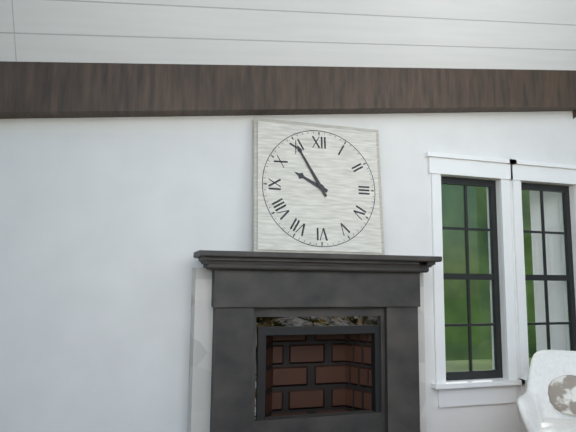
9.55
